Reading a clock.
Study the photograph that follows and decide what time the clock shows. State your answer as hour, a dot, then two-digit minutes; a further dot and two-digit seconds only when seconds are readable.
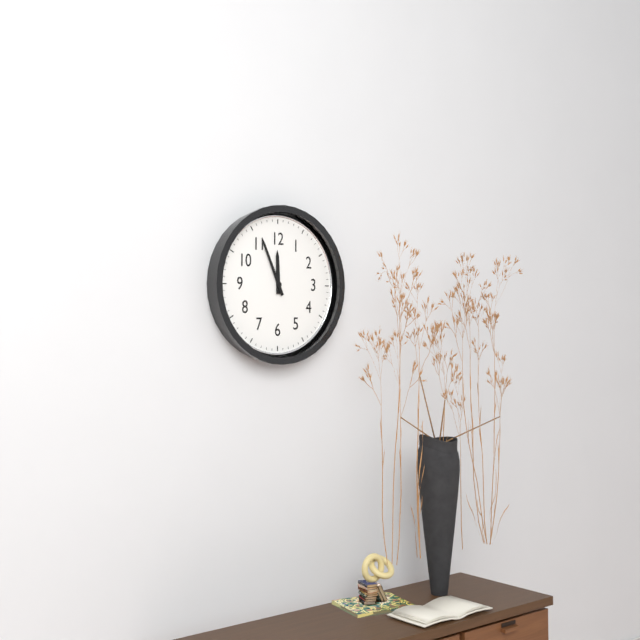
11.56
